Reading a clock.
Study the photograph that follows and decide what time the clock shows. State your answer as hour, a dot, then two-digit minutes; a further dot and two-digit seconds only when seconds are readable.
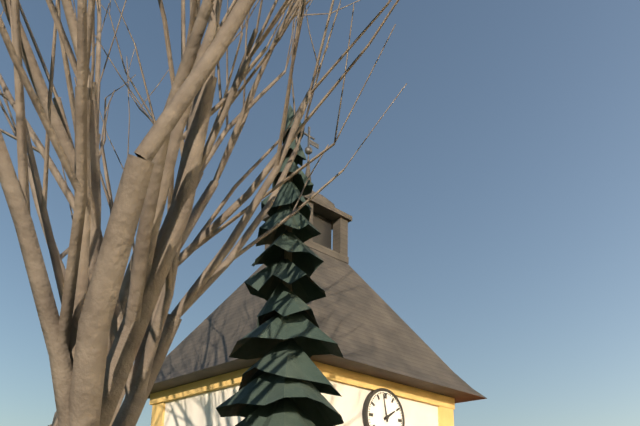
1.58
